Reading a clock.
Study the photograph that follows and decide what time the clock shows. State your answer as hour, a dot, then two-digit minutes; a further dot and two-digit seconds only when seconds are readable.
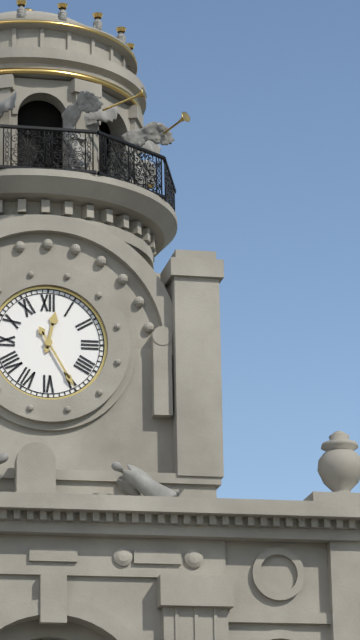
12.25
